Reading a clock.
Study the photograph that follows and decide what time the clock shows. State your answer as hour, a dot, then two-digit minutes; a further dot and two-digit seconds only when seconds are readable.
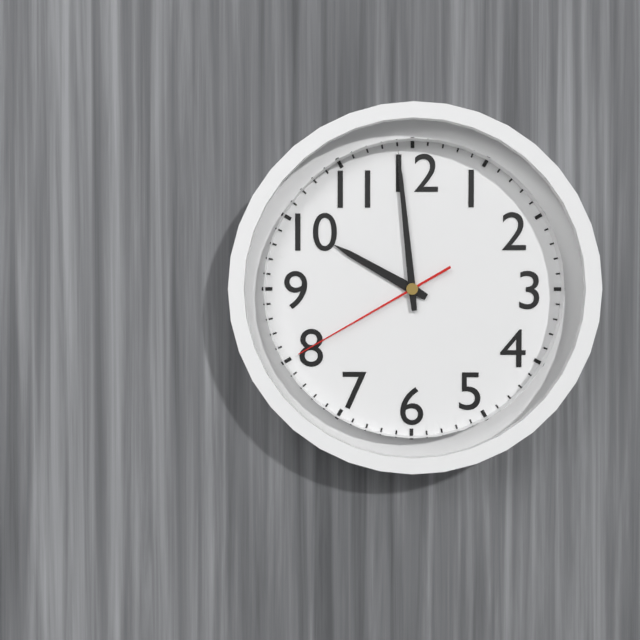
9.59.40
